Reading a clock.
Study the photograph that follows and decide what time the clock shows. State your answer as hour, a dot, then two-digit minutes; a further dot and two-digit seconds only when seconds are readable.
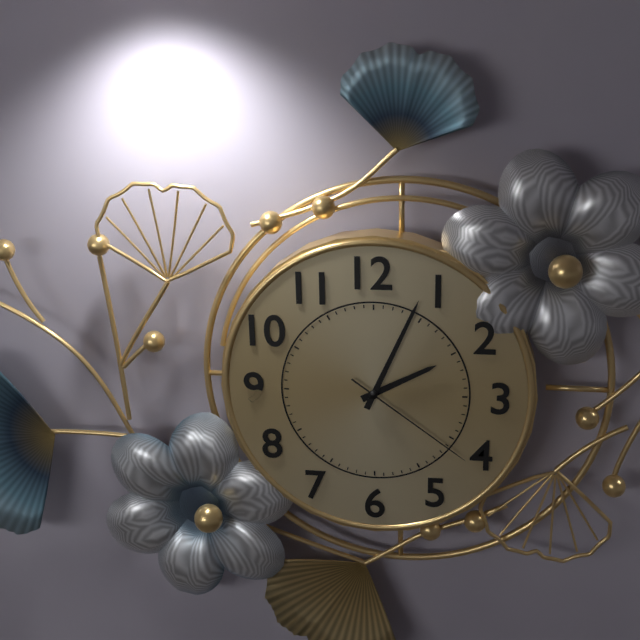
2.04.21
